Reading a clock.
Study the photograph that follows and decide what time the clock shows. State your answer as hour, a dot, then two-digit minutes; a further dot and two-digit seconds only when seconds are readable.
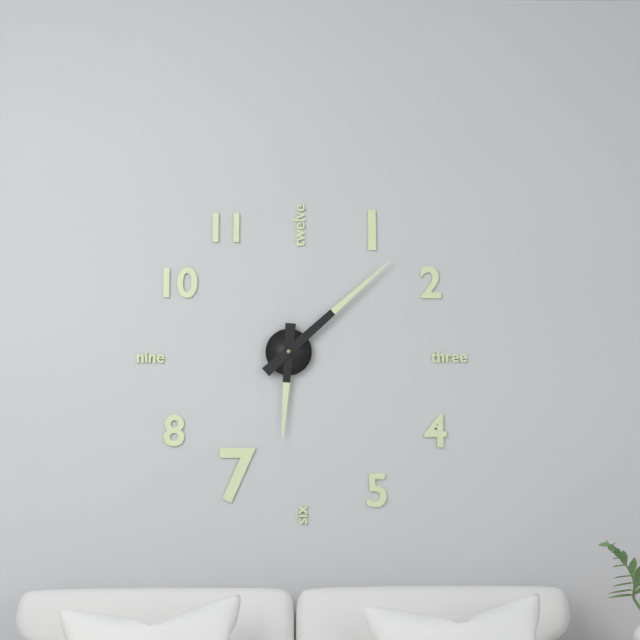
6.08
